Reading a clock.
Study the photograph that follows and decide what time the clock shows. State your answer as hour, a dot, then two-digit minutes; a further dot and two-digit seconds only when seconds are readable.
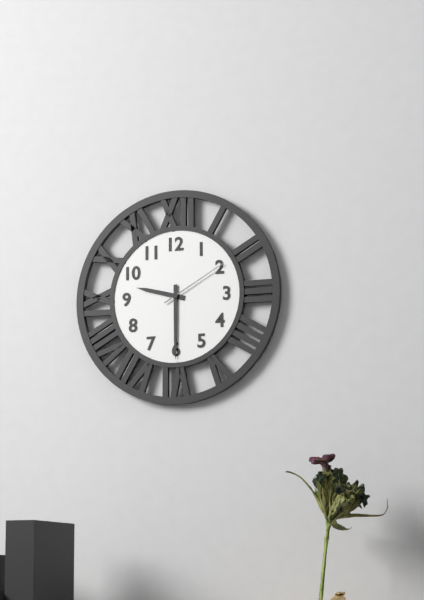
9.30.10
